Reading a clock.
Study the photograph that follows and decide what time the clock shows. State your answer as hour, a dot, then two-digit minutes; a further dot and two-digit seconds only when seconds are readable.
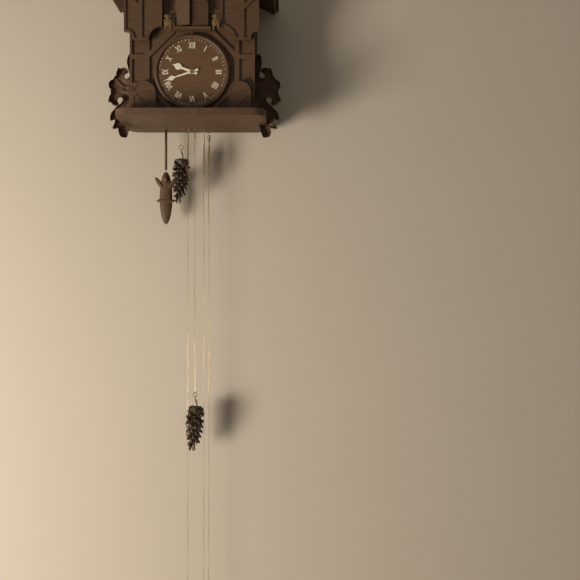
9.42
